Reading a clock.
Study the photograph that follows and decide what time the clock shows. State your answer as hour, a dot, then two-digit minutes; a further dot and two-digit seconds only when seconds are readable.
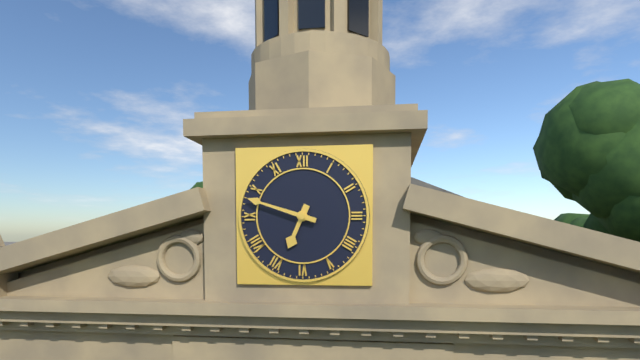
6.48
